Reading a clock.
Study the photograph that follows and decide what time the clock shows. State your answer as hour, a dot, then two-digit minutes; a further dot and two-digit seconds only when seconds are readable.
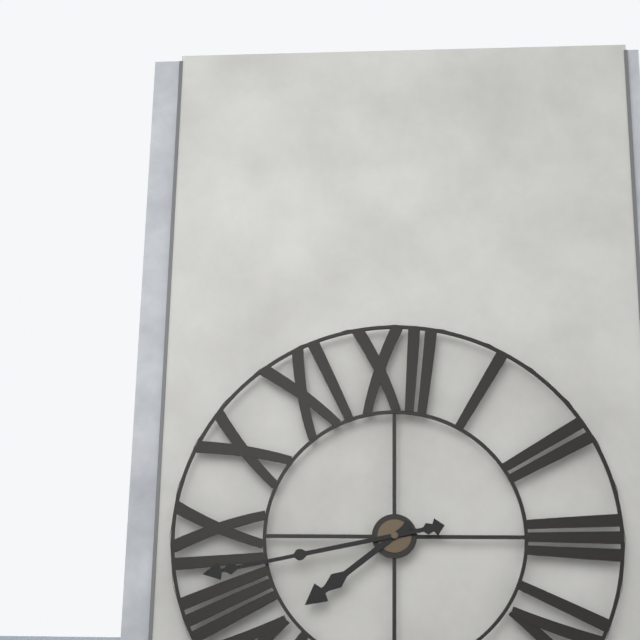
7.43
